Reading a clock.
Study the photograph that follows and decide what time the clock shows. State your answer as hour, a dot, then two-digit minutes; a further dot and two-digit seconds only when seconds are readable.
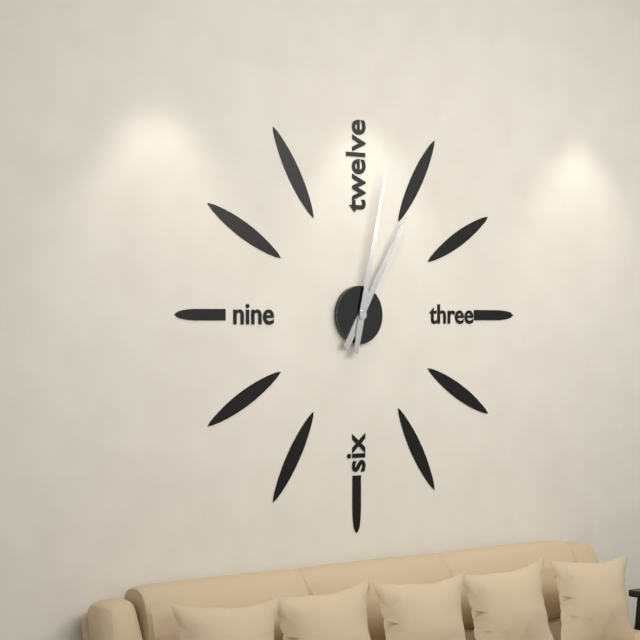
1.02
